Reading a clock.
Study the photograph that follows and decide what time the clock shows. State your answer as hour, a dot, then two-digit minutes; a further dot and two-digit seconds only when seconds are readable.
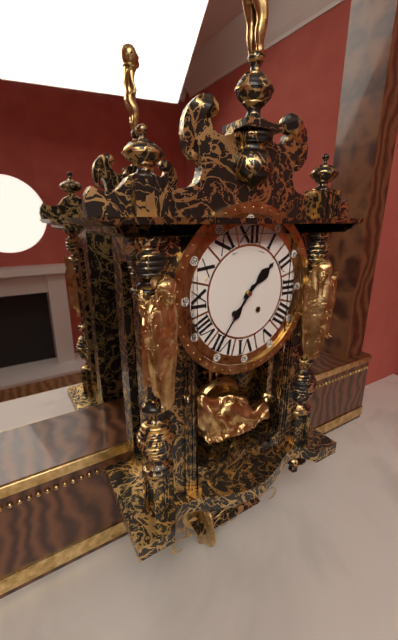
1.36
